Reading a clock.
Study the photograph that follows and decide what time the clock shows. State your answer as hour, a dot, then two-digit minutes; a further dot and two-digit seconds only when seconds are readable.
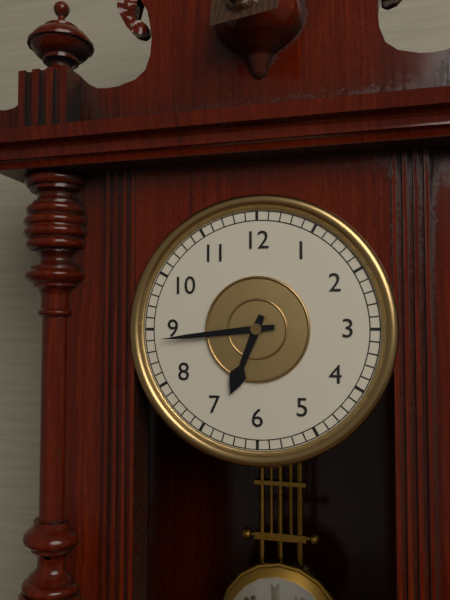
6.44
